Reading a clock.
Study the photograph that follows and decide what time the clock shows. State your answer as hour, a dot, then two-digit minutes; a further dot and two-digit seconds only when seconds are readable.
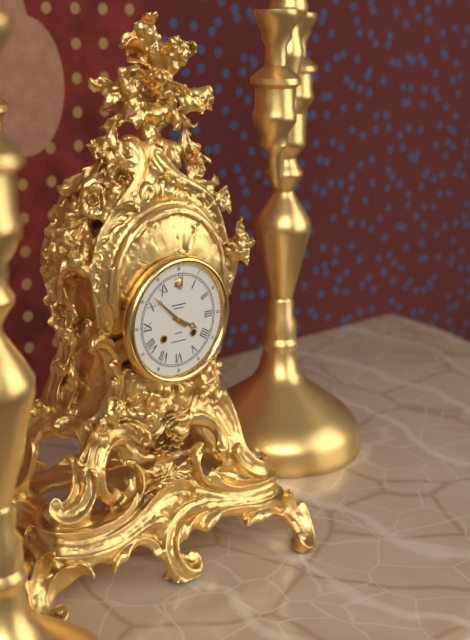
3.52
